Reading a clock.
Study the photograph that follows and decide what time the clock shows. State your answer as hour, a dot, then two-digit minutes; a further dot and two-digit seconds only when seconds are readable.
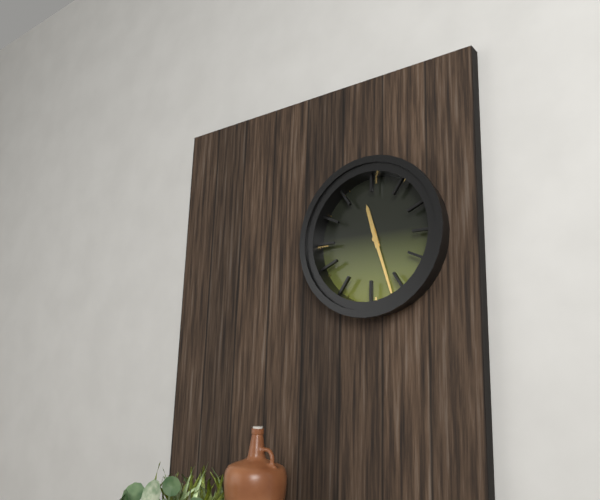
11.27
